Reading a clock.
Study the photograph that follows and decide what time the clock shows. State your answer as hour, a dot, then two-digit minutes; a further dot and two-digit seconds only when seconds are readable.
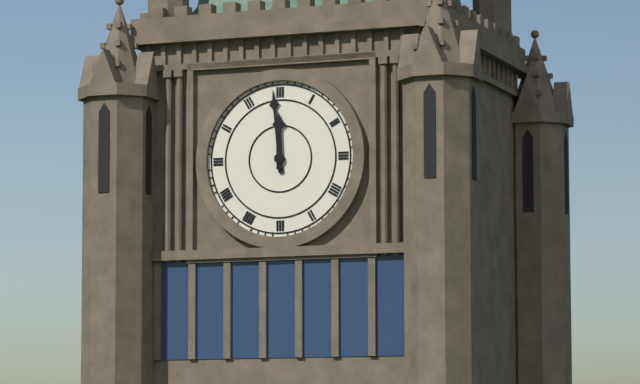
11.59
